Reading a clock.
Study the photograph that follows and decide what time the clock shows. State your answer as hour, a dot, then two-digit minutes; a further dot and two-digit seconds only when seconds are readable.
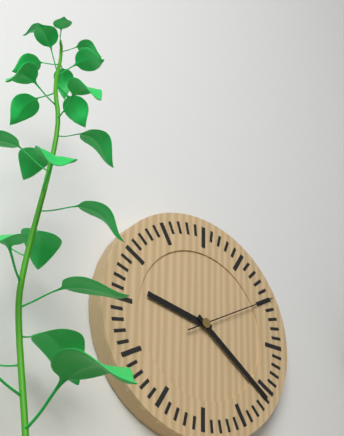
9.21.10
